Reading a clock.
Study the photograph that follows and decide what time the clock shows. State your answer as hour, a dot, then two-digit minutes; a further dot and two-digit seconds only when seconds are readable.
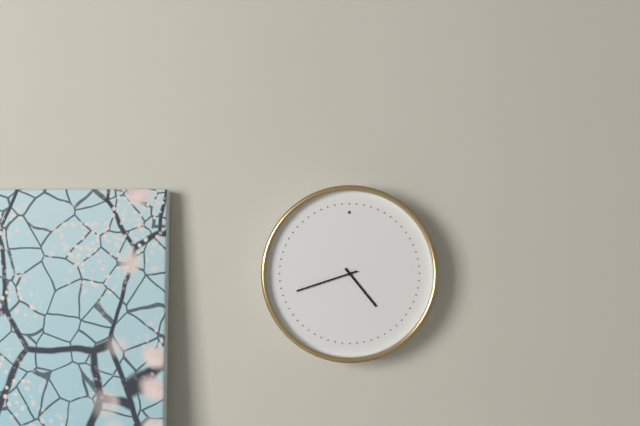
4.42
